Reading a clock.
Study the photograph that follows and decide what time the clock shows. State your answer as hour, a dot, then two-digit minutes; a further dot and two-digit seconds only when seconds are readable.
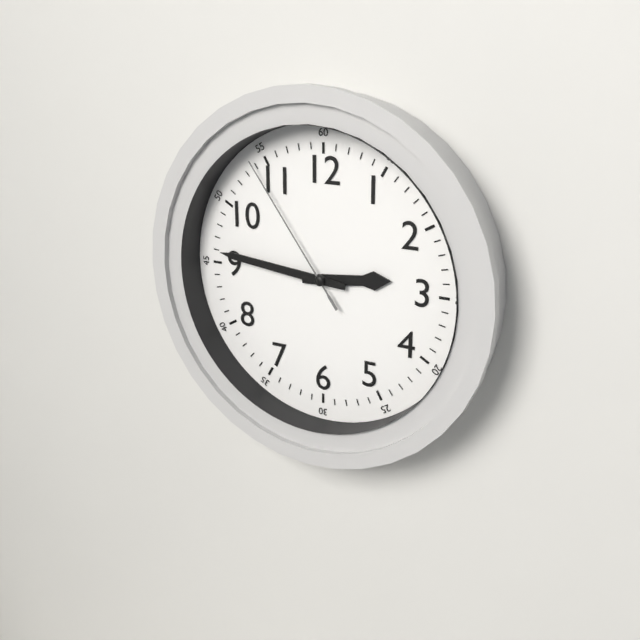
2.46.54
